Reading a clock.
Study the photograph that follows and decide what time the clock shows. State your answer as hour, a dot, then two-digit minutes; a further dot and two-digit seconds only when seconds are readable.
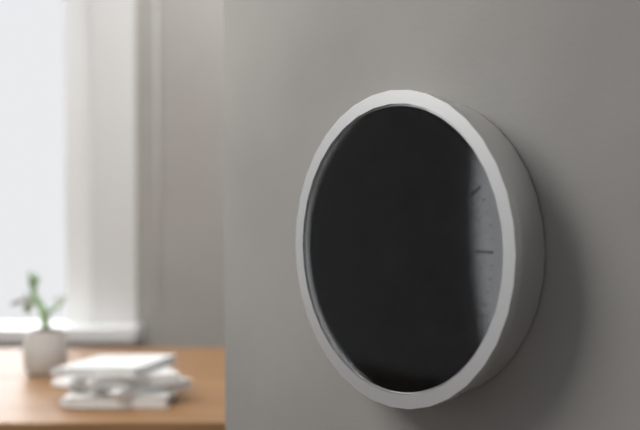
1.43
